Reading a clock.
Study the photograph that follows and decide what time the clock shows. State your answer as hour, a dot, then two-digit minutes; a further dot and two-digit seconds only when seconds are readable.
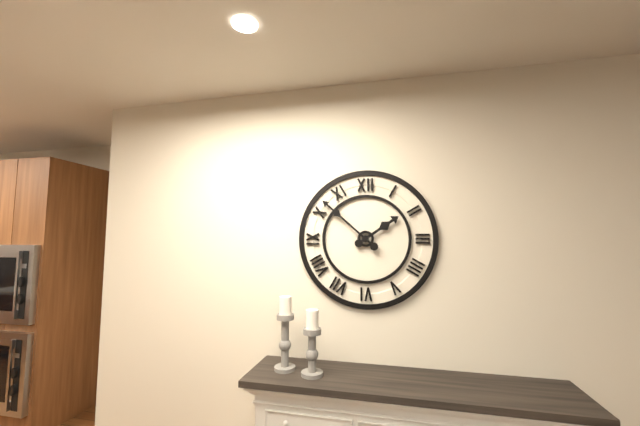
1.52
